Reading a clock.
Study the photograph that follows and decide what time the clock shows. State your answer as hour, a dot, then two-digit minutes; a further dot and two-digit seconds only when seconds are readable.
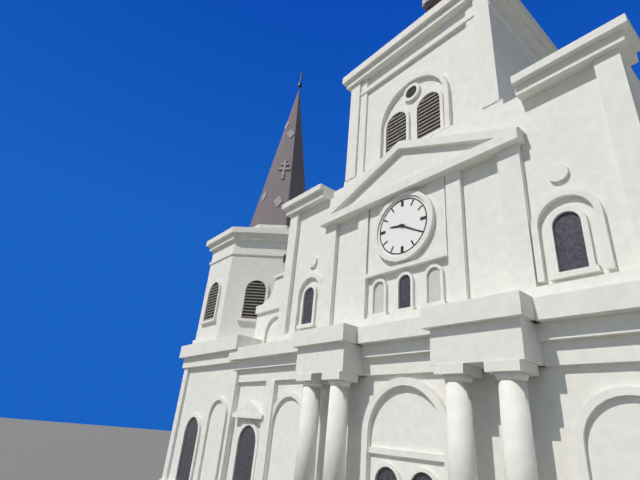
9.20
